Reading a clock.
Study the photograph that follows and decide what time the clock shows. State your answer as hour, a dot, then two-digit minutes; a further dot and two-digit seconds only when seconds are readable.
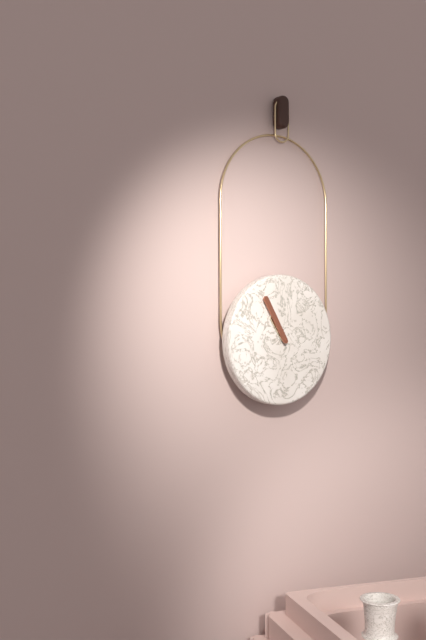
10.55
